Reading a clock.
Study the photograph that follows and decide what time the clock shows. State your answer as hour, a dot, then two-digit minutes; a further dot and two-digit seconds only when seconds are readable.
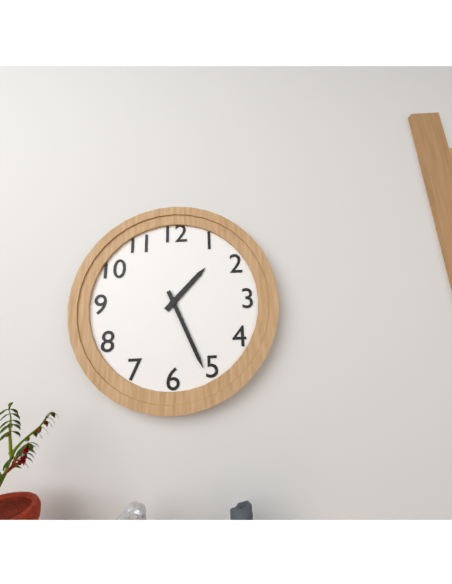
1.26
